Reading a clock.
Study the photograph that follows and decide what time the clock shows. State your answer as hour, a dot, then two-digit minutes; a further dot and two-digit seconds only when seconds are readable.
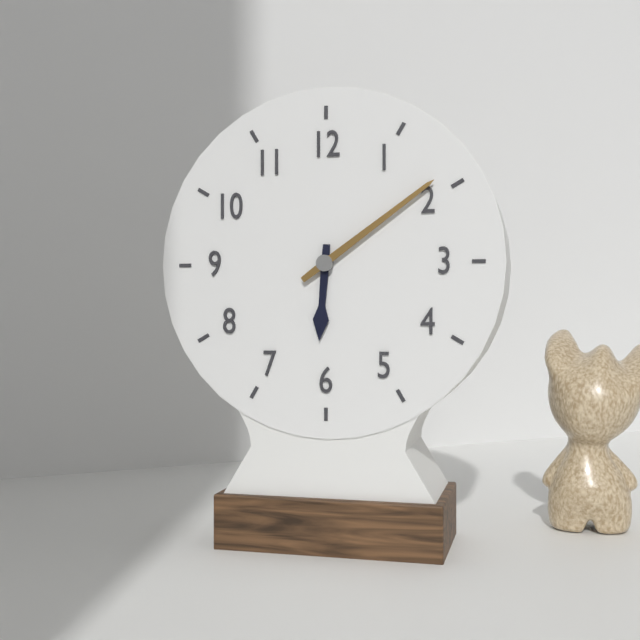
6.09
